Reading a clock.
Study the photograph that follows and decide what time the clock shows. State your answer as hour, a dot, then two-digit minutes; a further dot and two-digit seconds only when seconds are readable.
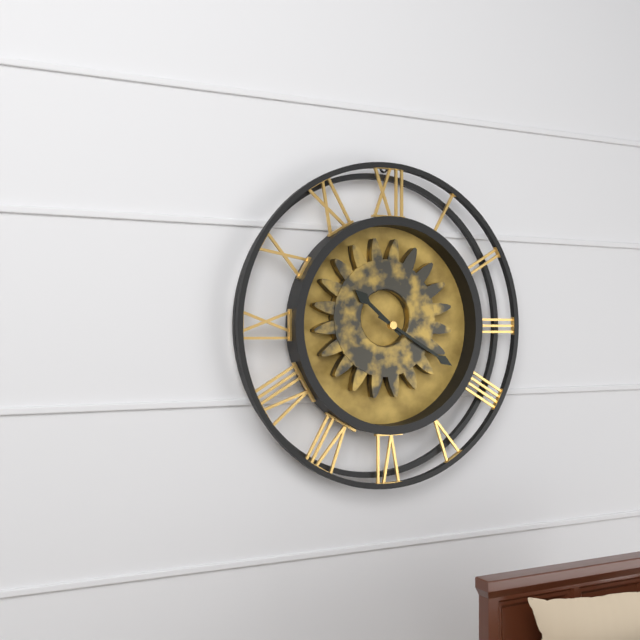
10.20
